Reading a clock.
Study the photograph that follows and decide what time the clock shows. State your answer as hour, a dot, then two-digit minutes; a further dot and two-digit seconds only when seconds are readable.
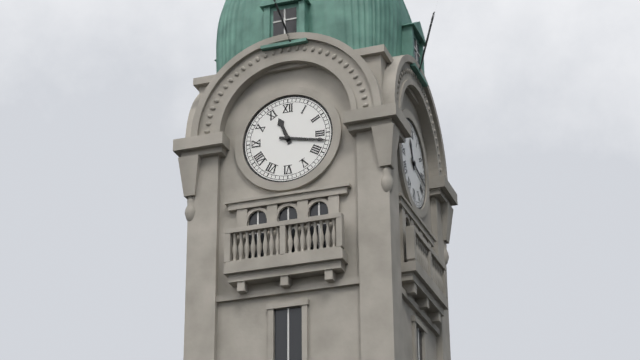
11.17
